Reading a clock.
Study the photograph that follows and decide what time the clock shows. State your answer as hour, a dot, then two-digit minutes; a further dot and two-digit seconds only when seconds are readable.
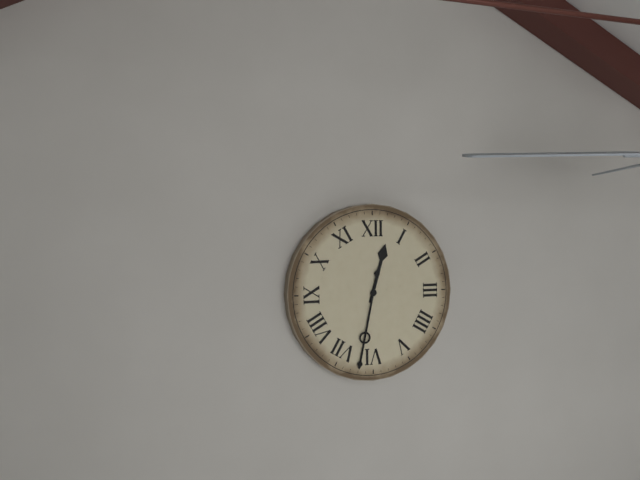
12.32
